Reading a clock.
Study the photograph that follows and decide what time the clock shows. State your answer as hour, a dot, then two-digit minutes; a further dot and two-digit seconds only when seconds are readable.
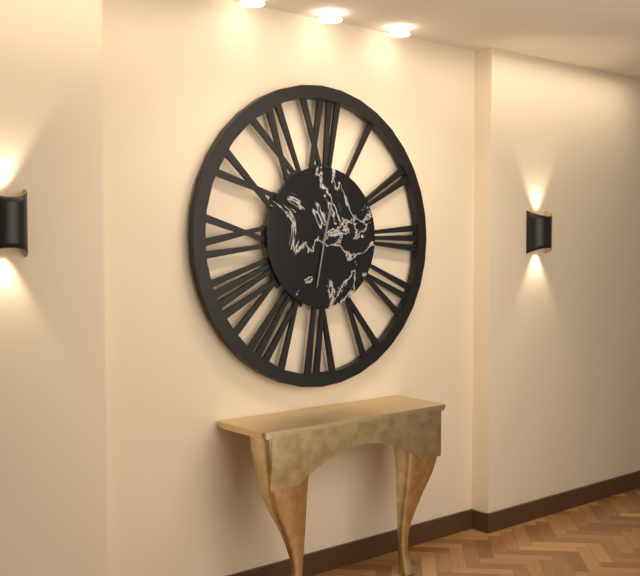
12.32
